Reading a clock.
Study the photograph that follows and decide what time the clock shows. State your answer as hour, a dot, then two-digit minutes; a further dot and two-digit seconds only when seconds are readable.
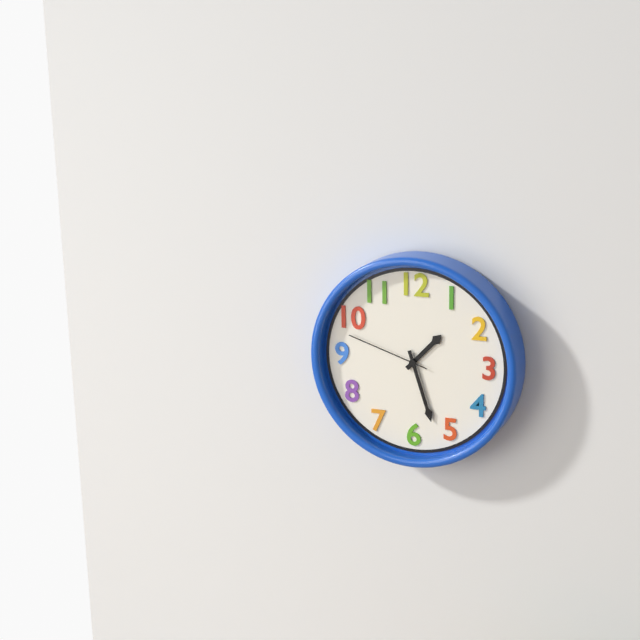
1.27.48
